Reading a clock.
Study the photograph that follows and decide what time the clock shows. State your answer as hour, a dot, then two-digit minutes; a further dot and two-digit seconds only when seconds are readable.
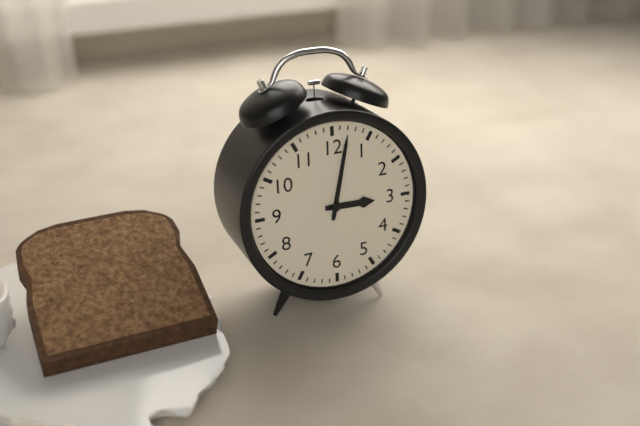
3.02
